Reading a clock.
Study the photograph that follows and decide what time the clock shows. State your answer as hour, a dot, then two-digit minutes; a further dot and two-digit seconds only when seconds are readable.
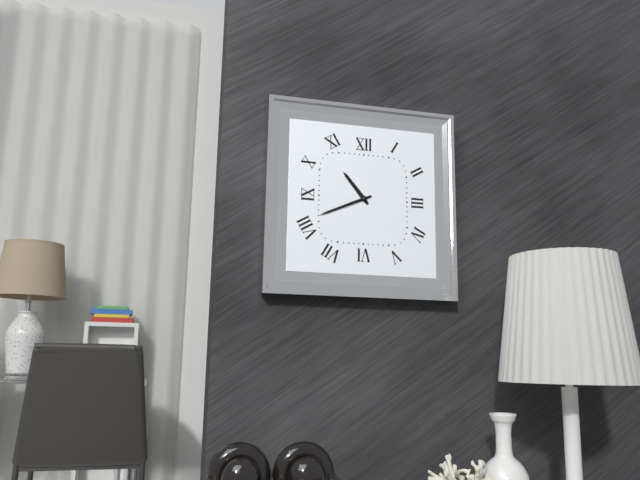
10.41
